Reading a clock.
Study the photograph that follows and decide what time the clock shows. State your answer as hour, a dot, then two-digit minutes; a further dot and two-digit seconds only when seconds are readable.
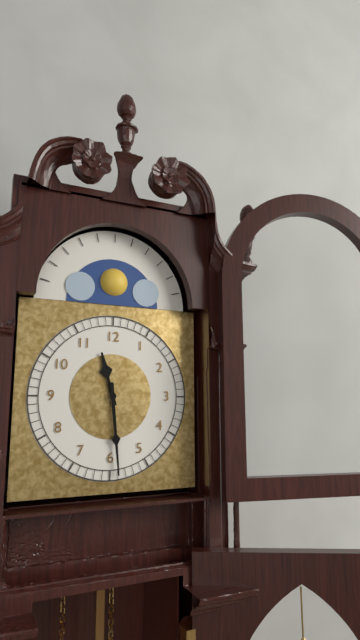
11.29
